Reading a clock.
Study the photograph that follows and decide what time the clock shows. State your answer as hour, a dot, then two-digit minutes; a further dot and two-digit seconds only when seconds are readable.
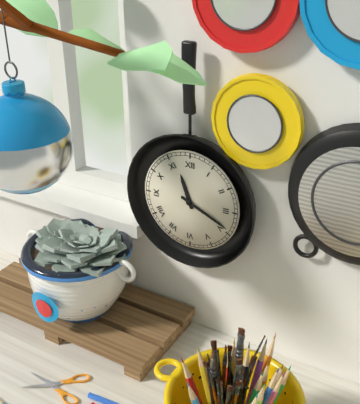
11.19
